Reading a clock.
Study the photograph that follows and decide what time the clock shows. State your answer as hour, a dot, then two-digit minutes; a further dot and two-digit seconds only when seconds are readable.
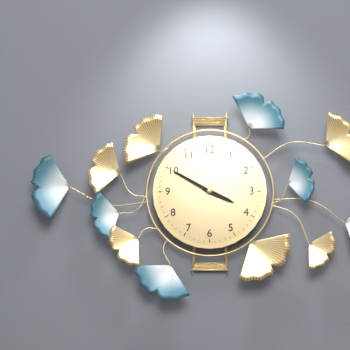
3.50
